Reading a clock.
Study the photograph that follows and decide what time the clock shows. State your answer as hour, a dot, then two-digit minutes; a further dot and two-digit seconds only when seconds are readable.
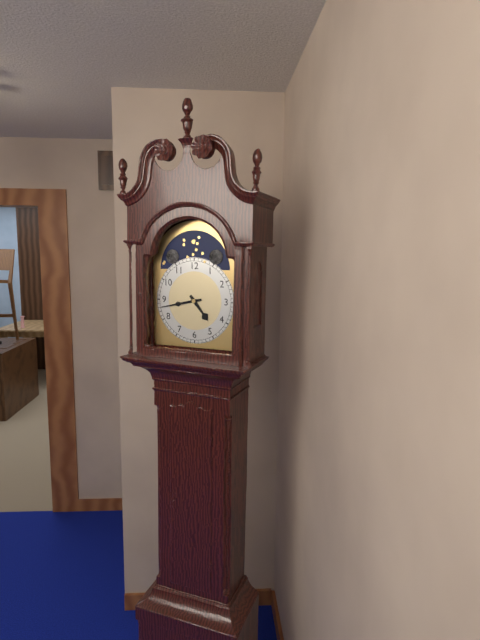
4.43
